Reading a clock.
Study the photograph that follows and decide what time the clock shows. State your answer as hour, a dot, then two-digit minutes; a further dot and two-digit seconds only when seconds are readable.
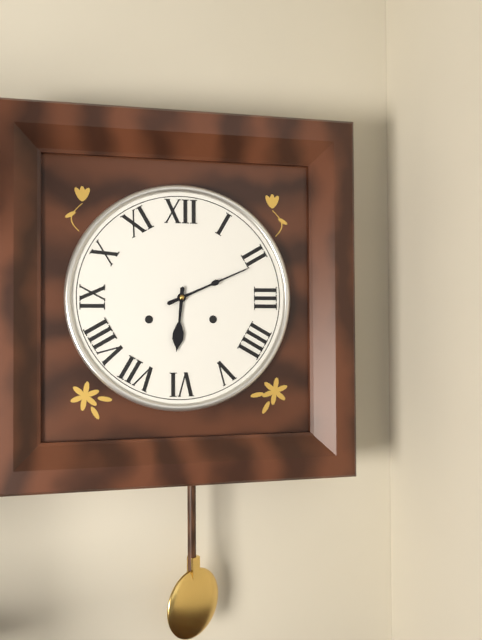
6.11
